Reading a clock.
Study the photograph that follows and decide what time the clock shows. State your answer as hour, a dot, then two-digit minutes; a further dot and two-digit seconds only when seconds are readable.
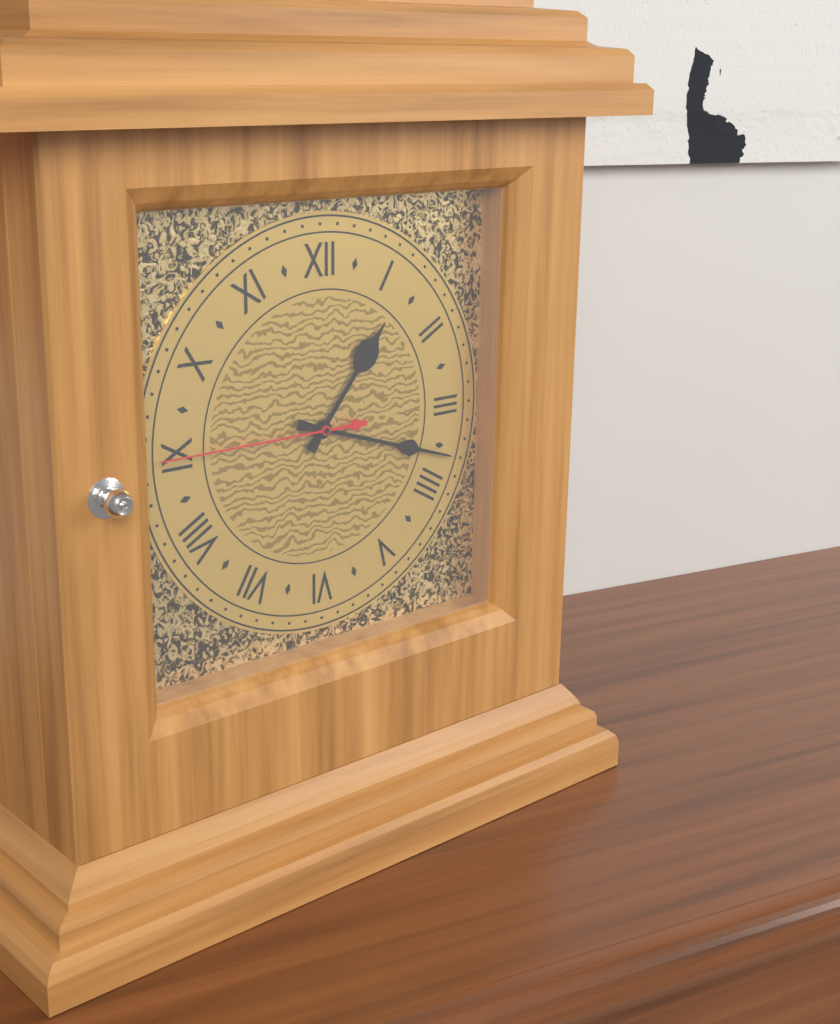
1.18.45
